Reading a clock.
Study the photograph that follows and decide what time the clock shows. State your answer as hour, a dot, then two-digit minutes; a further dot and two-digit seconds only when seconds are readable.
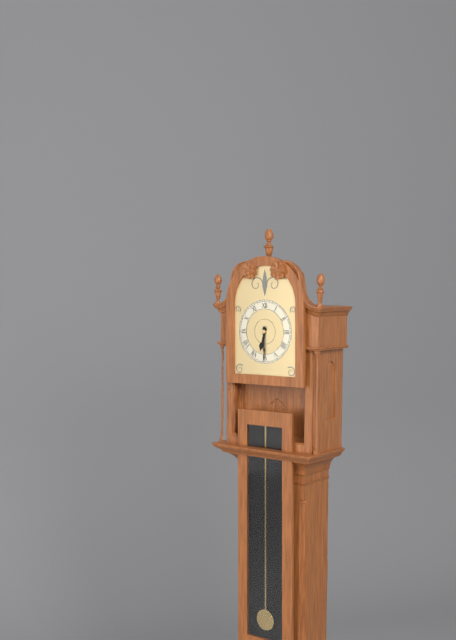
6.30
